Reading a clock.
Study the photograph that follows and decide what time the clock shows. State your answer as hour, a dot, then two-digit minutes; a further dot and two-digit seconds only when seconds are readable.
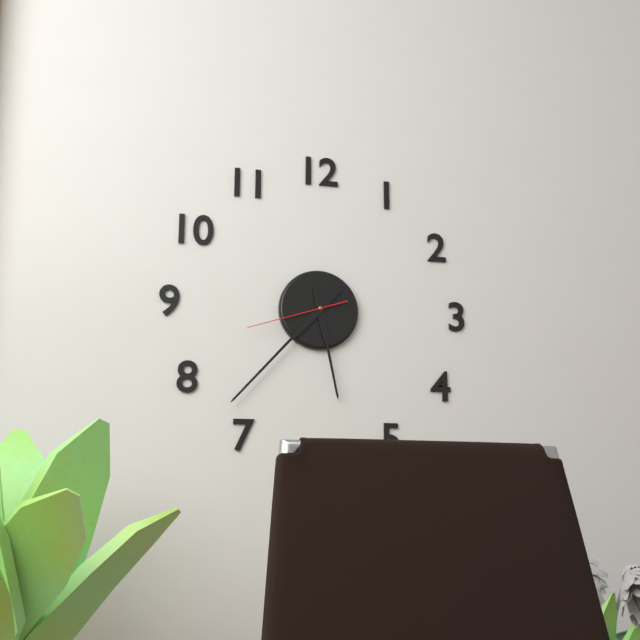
5.37.42
